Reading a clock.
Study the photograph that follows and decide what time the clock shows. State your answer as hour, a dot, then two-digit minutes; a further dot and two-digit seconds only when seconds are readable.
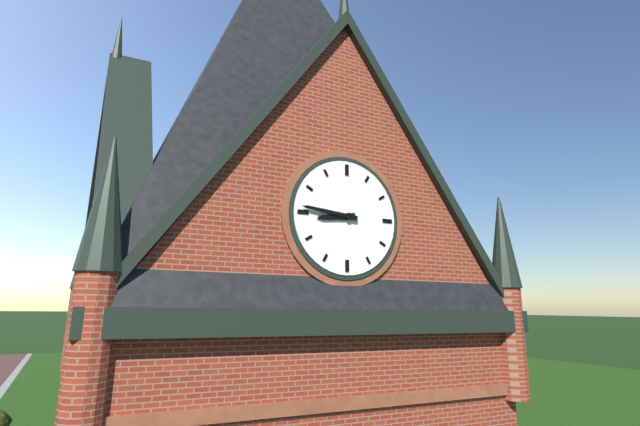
8.46
